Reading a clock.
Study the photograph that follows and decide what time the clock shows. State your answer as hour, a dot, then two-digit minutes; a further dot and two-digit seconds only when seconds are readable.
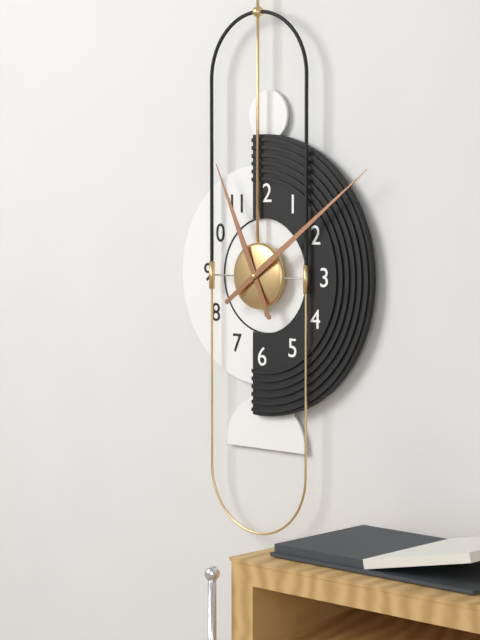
11.09
